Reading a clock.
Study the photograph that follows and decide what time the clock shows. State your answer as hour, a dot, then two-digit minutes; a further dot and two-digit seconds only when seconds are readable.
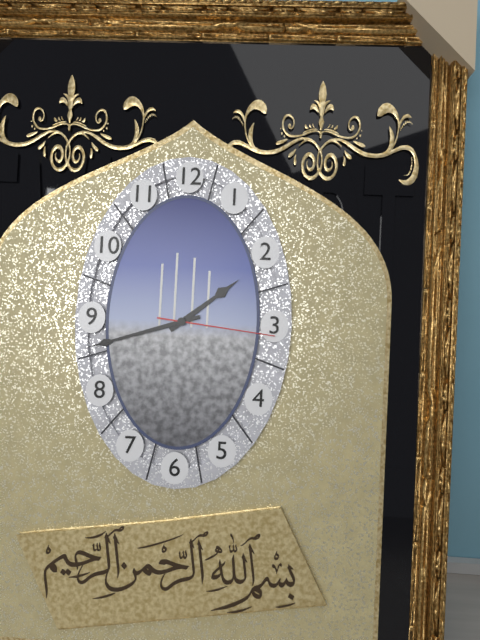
1.42.16
